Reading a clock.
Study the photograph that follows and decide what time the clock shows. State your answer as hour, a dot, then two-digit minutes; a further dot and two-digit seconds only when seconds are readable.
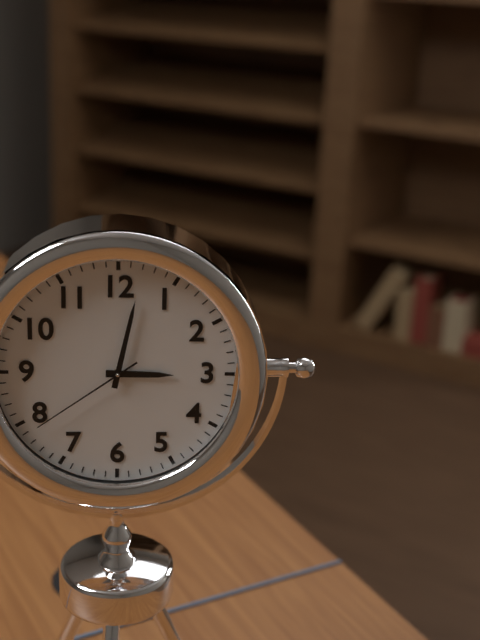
3.02.39
